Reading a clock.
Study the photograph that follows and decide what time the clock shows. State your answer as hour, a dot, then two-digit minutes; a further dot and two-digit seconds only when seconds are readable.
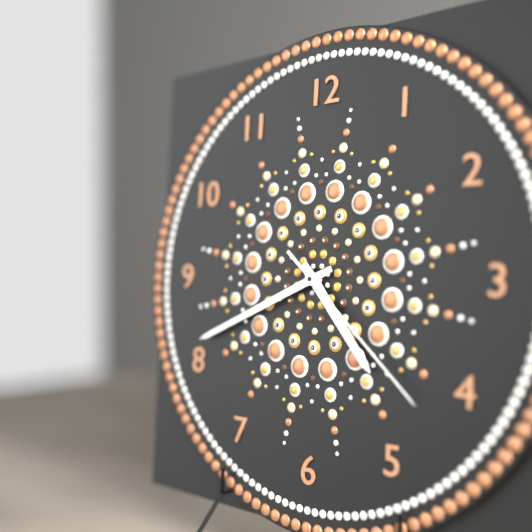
4.41.22
